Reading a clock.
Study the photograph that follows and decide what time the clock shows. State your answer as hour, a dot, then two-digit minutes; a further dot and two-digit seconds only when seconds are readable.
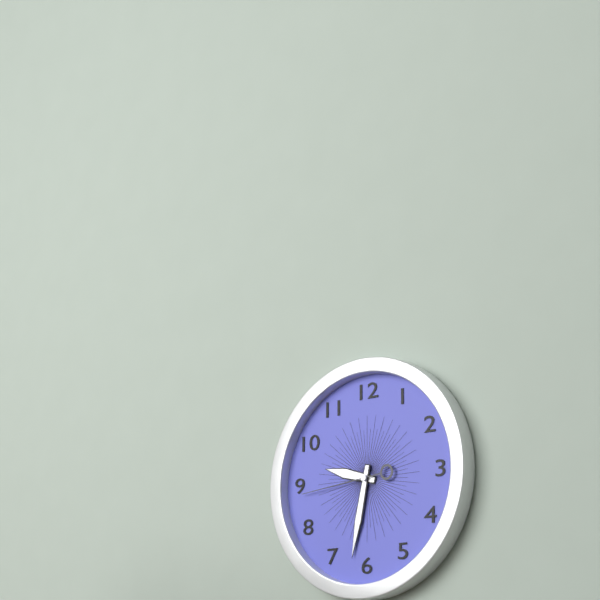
9.32.44
